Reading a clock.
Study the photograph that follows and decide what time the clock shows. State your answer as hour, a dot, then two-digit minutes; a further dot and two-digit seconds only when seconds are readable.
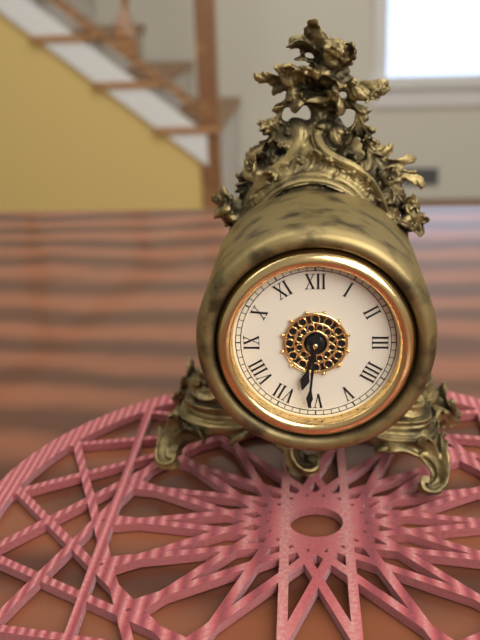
6.31
